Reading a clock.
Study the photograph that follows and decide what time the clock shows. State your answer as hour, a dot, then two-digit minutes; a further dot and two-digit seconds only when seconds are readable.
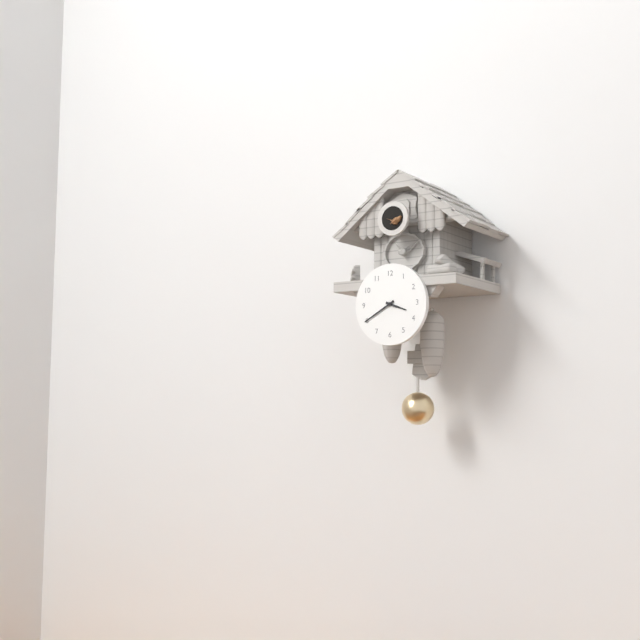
3.40
